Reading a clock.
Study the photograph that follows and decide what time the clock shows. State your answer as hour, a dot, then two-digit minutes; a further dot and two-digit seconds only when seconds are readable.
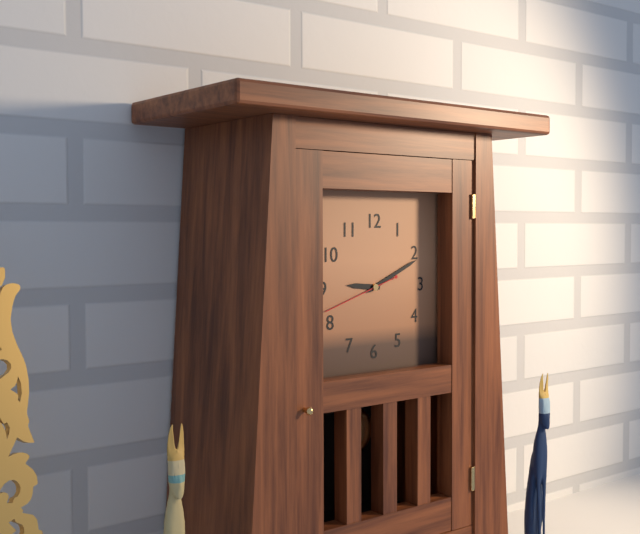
9.11.42
